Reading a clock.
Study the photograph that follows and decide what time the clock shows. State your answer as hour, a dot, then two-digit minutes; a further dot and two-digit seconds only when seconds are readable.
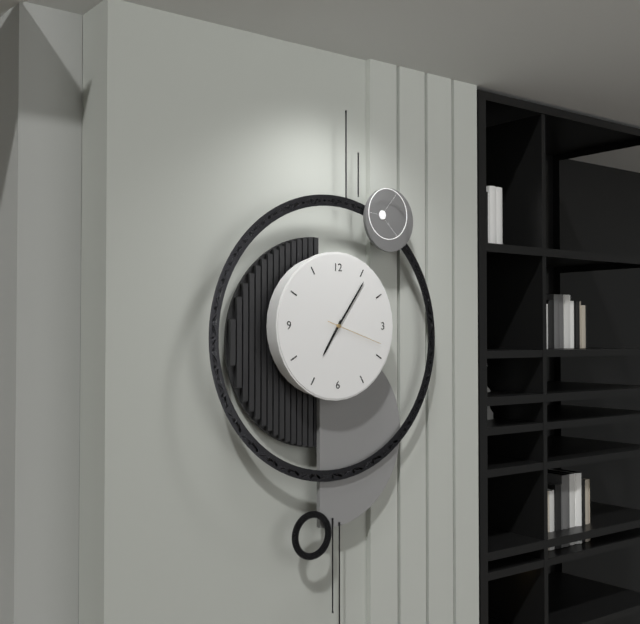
7.06.18
